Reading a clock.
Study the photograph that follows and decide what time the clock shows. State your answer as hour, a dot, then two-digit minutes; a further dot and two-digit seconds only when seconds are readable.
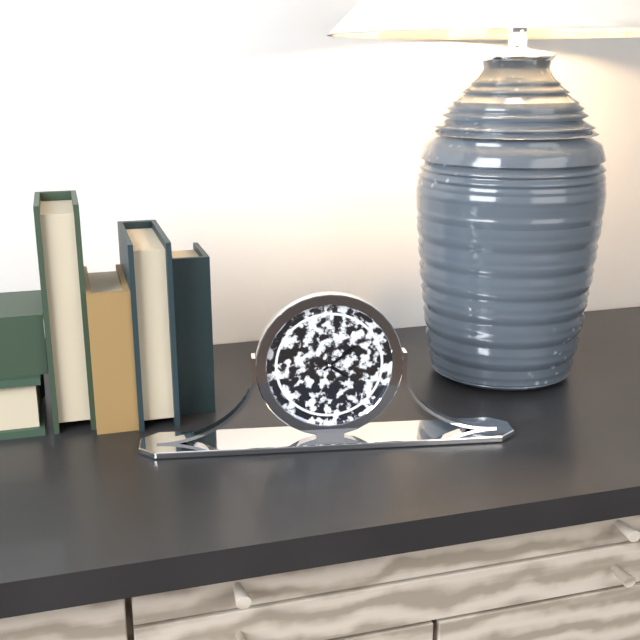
4.09
